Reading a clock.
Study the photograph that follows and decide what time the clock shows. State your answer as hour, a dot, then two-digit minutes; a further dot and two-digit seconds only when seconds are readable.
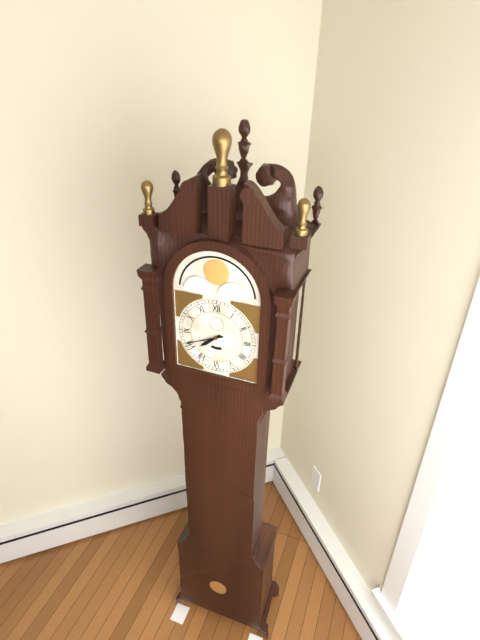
7.41
